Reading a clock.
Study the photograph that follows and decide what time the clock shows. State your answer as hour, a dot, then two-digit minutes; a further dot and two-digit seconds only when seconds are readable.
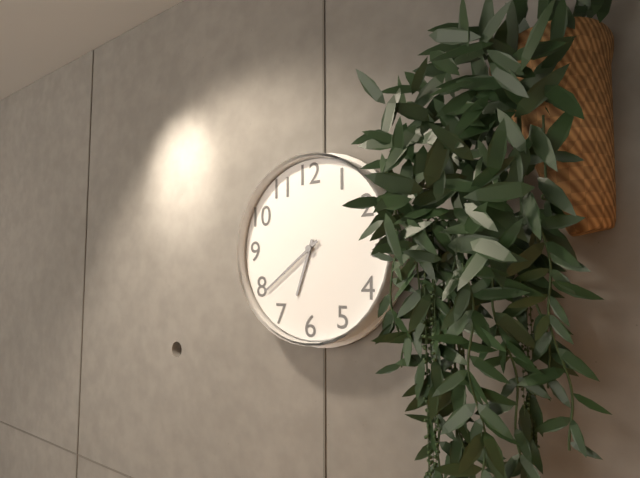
6.39
